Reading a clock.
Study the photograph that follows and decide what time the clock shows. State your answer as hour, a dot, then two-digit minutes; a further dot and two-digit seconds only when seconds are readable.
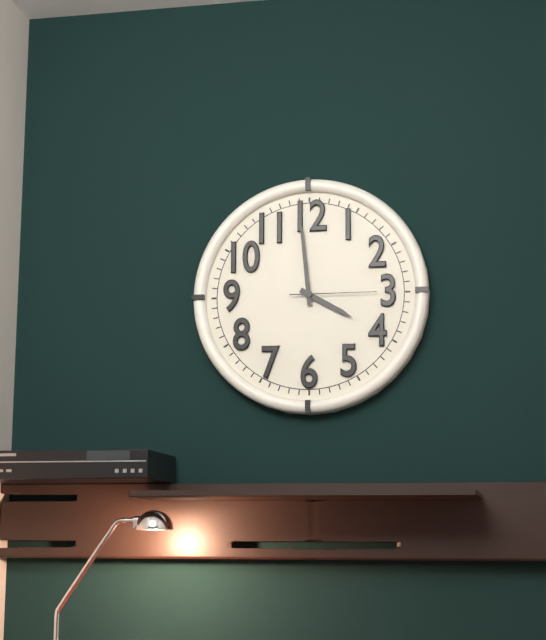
3.59.15
